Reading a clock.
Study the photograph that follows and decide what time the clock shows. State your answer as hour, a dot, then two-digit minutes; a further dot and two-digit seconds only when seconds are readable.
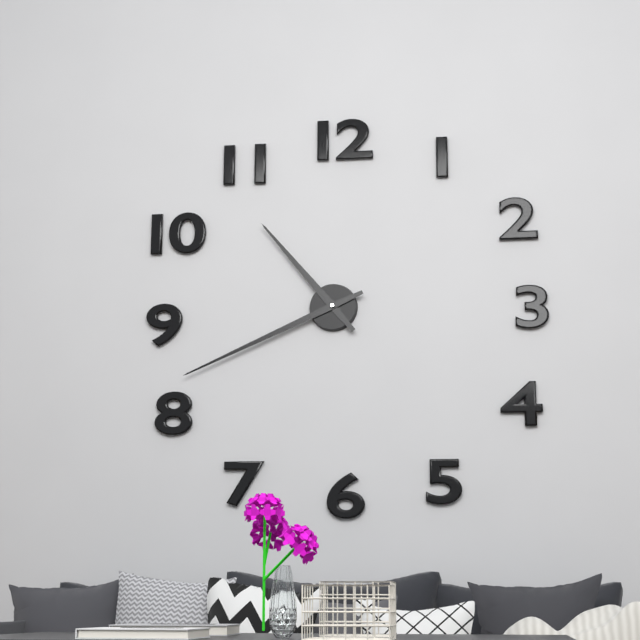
10.41
